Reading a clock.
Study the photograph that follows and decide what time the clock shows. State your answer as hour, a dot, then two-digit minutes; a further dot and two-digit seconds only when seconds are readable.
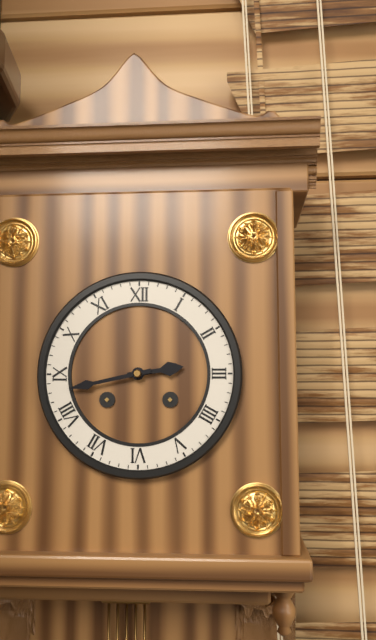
2.43
